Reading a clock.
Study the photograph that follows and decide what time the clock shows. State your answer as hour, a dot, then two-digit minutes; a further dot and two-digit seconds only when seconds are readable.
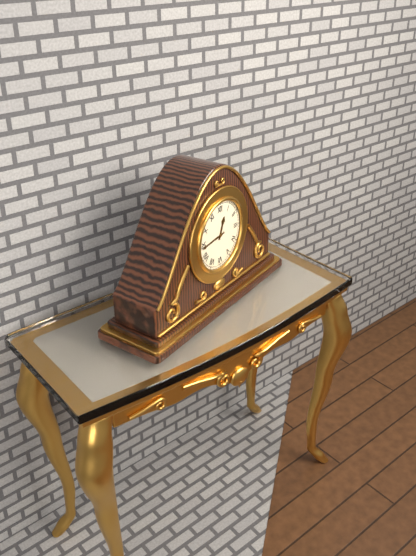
12.44
